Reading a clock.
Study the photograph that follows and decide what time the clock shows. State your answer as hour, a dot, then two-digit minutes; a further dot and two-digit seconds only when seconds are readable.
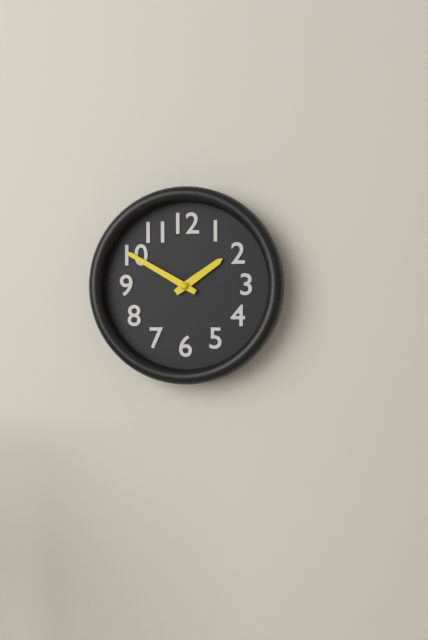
1.50
